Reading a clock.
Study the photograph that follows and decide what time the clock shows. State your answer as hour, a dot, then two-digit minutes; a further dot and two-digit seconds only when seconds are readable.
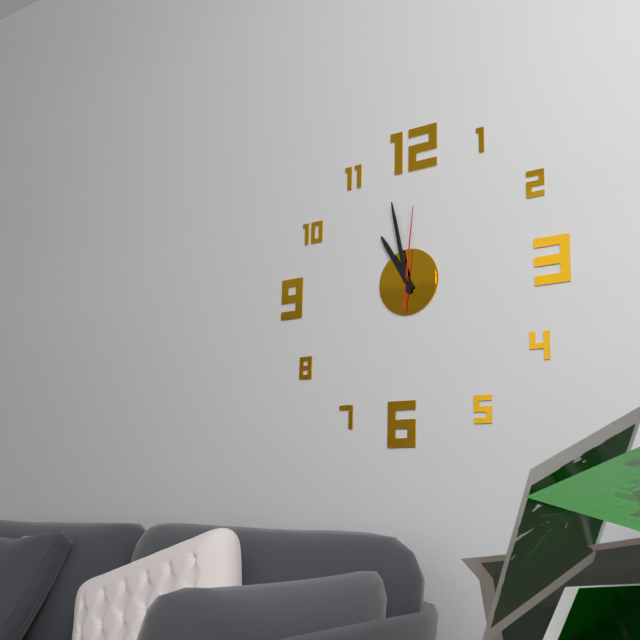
10.58.01
